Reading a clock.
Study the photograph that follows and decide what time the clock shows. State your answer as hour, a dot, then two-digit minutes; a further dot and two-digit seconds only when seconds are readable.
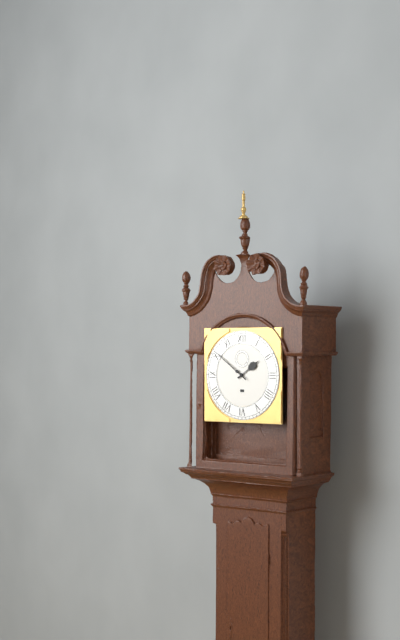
1.51
